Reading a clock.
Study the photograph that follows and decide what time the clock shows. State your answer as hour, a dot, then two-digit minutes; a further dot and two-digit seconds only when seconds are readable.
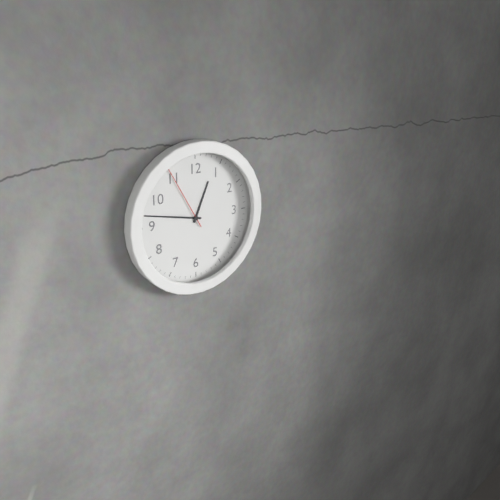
12.47.55
